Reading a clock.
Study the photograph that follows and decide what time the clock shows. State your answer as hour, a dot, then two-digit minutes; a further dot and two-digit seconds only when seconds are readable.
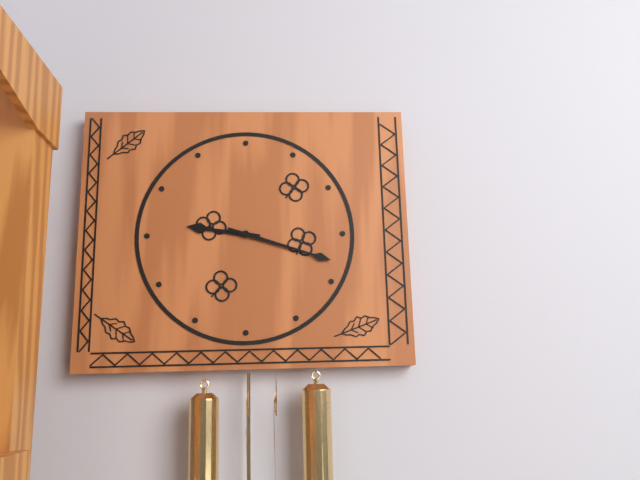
9.18
